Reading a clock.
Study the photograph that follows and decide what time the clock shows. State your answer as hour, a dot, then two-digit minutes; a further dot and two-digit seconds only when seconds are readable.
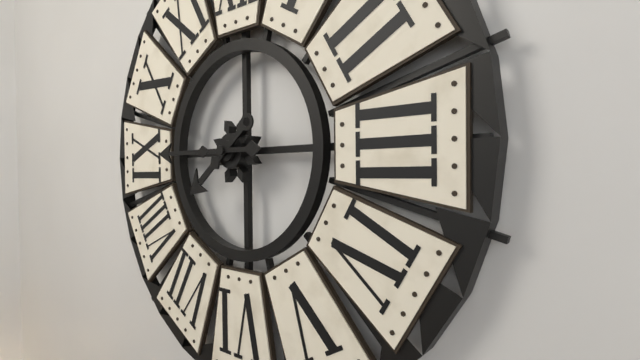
7.45
